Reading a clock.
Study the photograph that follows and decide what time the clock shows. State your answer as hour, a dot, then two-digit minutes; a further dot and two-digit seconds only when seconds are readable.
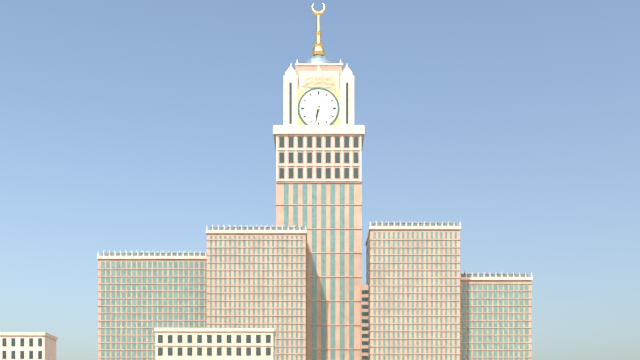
6.32
